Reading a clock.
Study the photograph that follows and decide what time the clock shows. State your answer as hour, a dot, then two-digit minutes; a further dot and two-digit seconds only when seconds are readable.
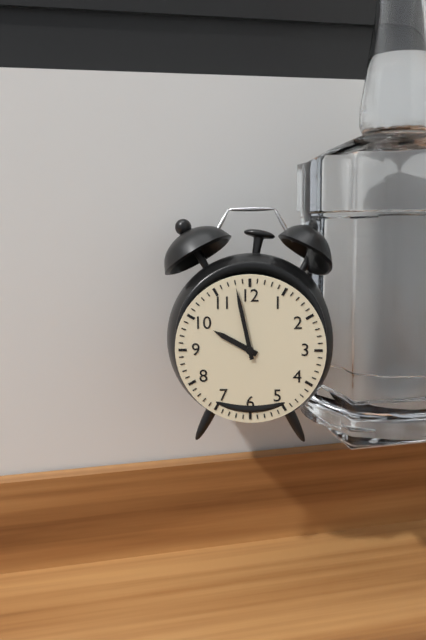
9.58
